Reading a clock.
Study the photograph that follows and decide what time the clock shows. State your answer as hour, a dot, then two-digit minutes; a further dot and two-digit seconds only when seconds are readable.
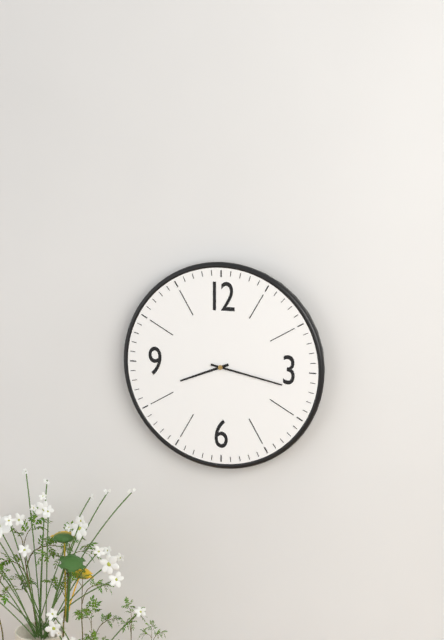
8.17
